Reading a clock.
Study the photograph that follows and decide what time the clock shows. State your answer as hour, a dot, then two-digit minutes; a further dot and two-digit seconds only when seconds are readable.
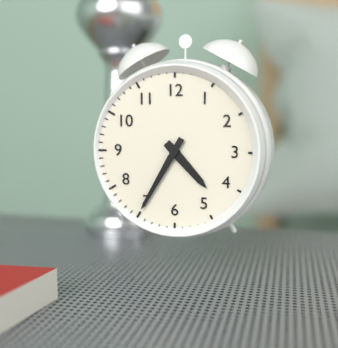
4.35
